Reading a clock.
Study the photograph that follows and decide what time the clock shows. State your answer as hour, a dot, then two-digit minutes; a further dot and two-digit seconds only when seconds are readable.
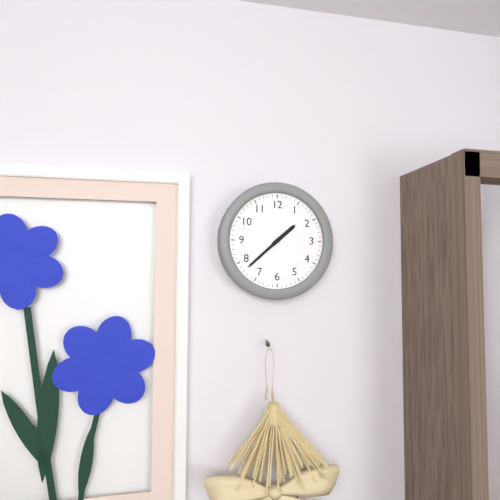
1.38
